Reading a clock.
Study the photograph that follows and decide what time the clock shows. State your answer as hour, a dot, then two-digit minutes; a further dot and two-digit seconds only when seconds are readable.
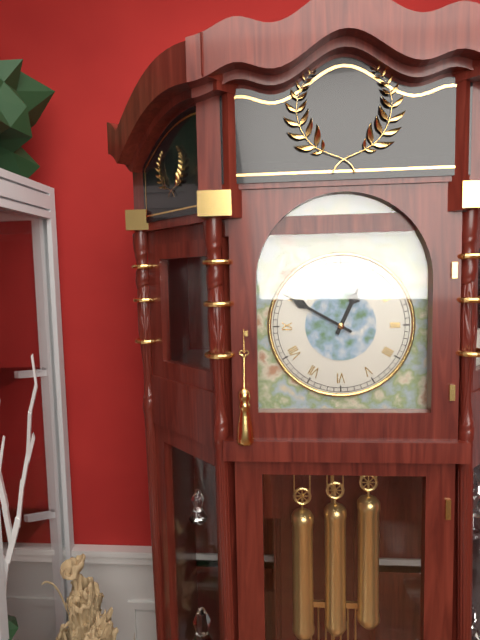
12.50
